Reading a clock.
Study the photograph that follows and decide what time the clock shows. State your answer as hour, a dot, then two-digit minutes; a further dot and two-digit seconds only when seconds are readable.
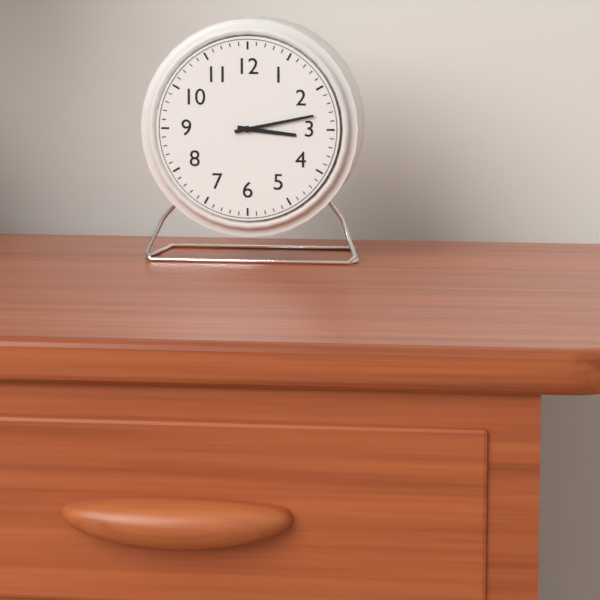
3.13
